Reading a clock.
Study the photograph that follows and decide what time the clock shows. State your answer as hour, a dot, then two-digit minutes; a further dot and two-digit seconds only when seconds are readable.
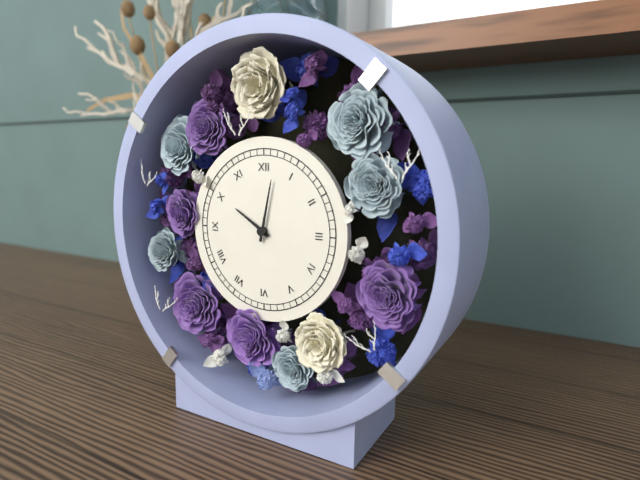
10.02
